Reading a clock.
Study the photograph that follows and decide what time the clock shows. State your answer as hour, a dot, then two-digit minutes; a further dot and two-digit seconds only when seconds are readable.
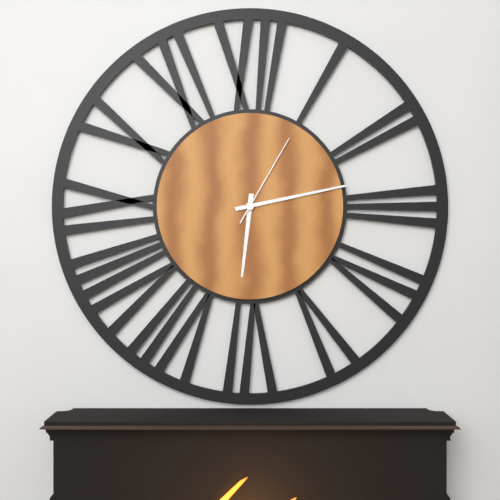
6.13.05
